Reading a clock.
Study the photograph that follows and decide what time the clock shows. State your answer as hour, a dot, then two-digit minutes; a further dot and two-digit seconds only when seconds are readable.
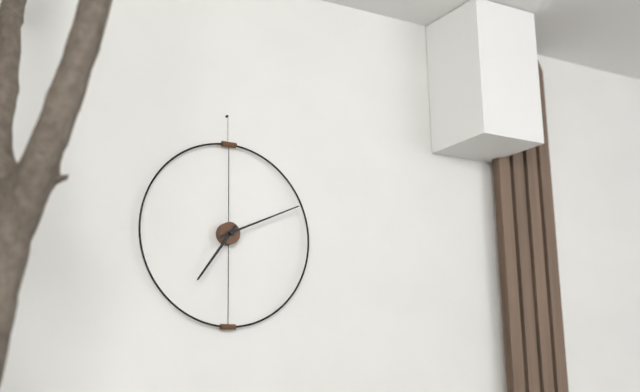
7.11
